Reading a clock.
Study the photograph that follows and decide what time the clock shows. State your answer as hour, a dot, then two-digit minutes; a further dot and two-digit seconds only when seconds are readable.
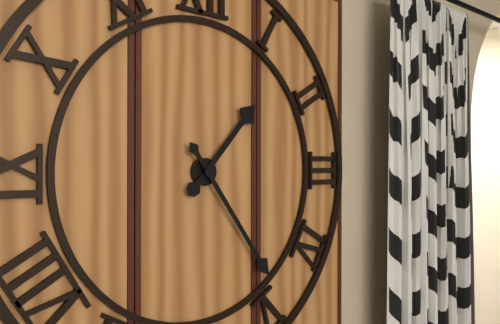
1.24
